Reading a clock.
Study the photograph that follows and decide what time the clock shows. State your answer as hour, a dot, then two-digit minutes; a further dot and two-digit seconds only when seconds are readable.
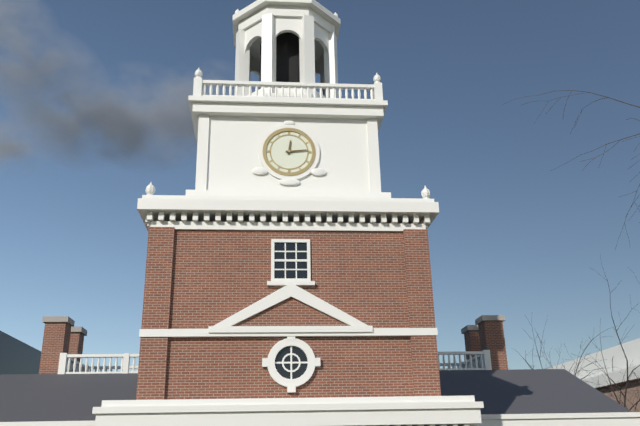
12.14
